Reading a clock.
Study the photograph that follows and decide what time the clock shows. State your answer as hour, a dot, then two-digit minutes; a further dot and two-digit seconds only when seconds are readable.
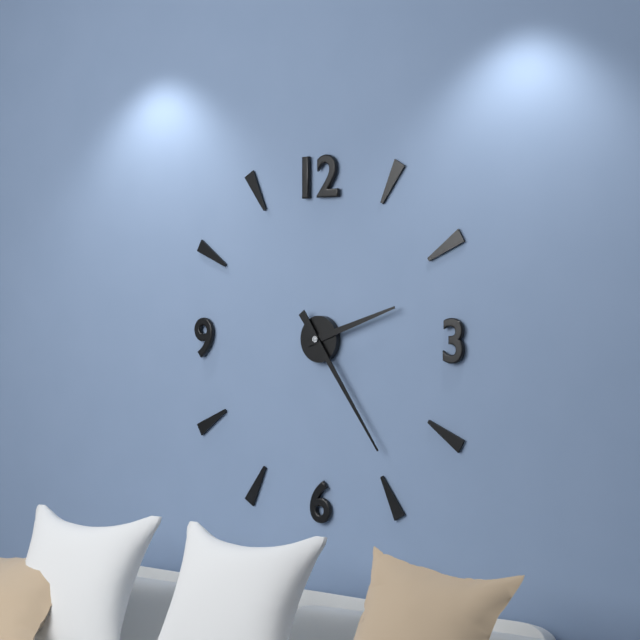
2.24
